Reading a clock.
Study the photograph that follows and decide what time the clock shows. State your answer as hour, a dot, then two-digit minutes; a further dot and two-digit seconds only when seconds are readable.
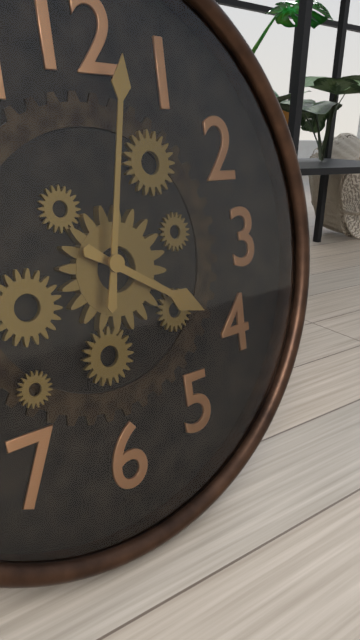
4.02
